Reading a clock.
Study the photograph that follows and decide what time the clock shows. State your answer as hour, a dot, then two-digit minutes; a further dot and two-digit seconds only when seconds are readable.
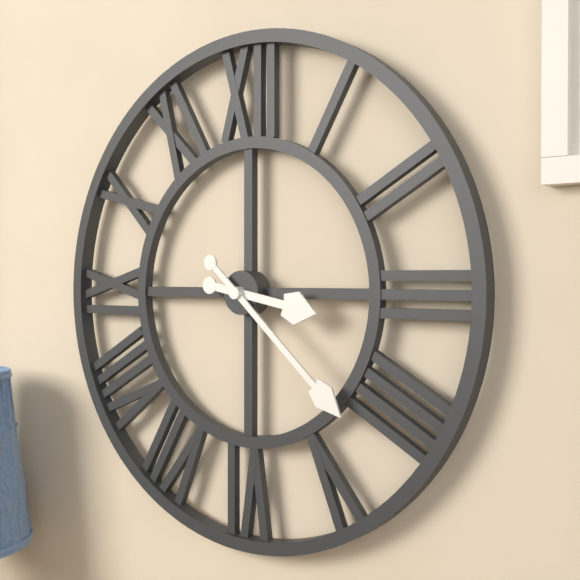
3.22
